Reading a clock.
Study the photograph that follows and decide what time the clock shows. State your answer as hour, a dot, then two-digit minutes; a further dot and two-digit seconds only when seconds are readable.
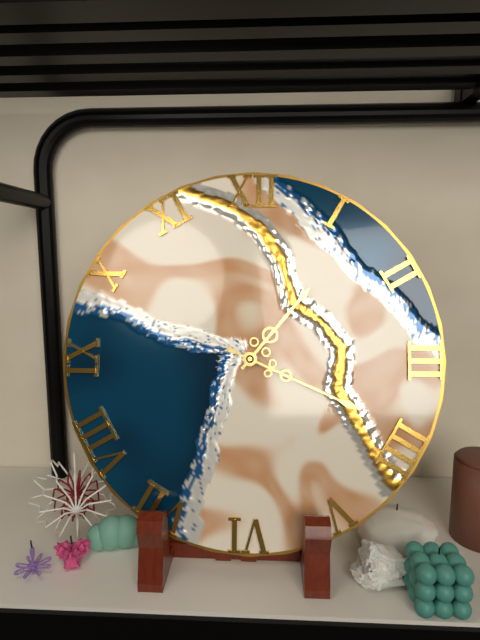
1.19
